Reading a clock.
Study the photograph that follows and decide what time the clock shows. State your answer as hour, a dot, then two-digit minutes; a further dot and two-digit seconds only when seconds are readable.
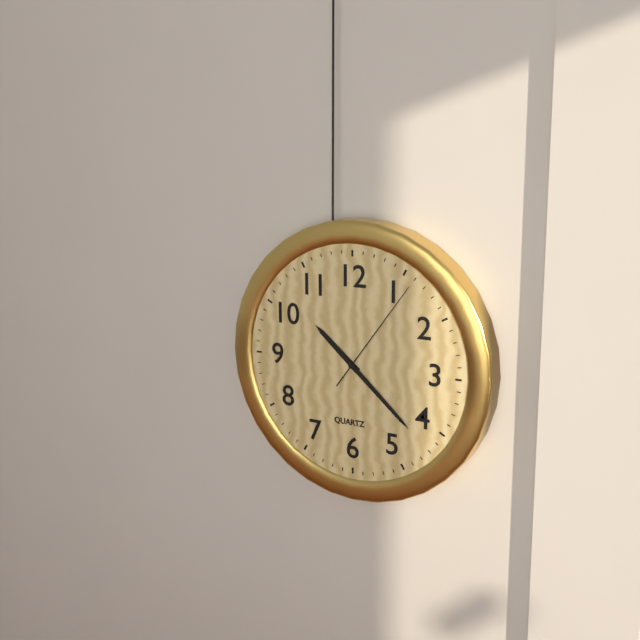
10.22.06
